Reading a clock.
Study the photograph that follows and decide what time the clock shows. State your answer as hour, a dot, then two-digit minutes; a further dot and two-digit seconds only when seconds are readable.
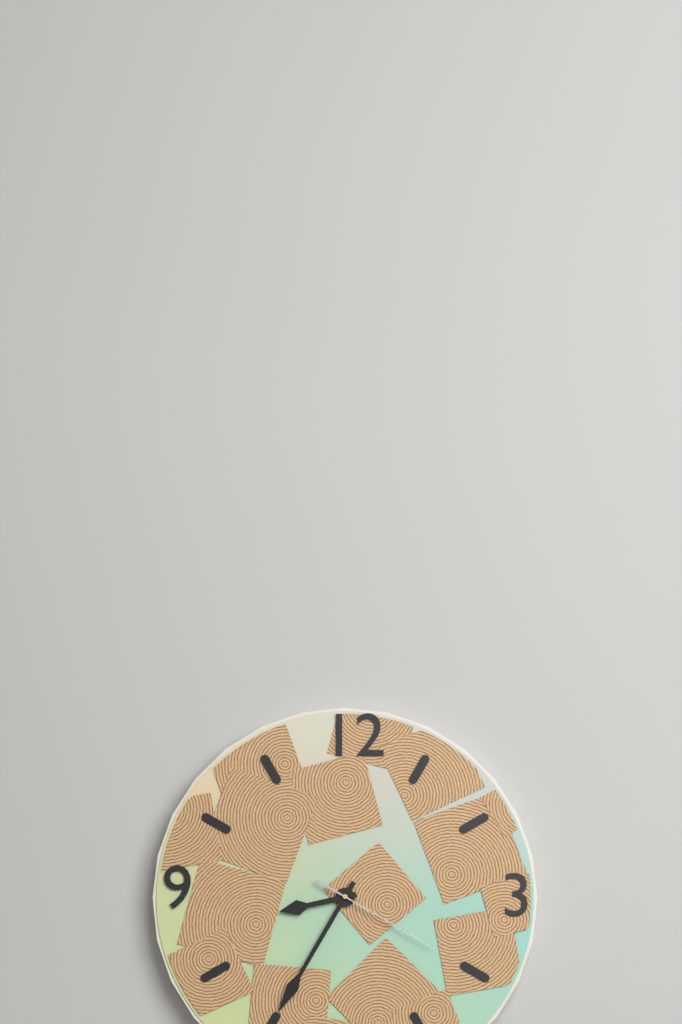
8.35.20
